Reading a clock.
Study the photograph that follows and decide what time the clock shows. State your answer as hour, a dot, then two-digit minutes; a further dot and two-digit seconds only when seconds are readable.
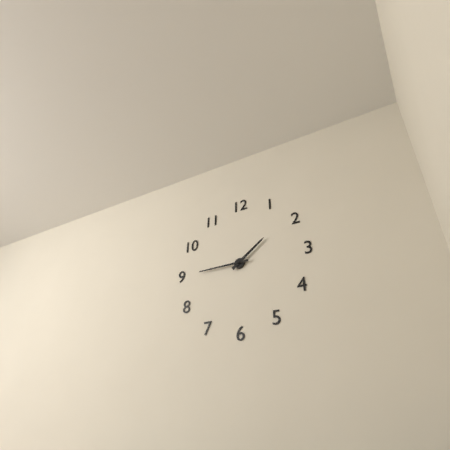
1.45
